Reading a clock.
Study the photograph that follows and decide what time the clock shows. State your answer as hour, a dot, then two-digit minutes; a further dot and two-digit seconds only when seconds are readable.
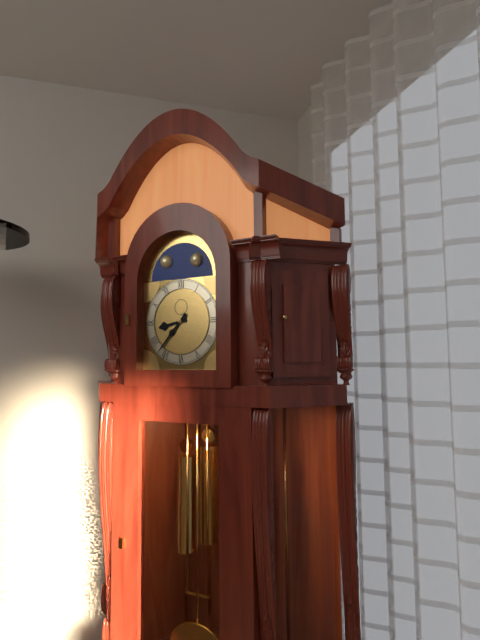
8.37
